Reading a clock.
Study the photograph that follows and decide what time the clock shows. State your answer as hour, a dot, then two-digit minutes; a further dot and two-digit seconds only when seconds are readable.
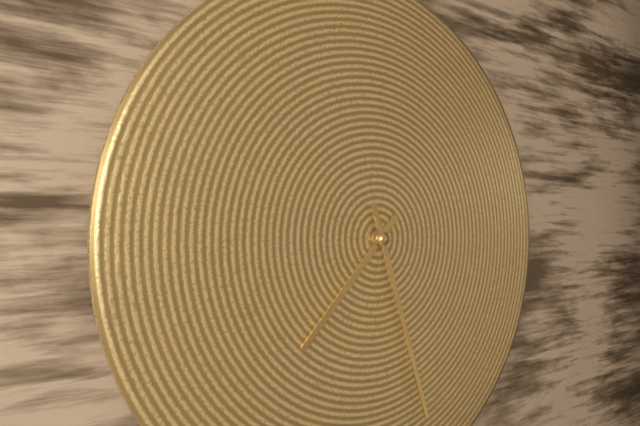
7.27
